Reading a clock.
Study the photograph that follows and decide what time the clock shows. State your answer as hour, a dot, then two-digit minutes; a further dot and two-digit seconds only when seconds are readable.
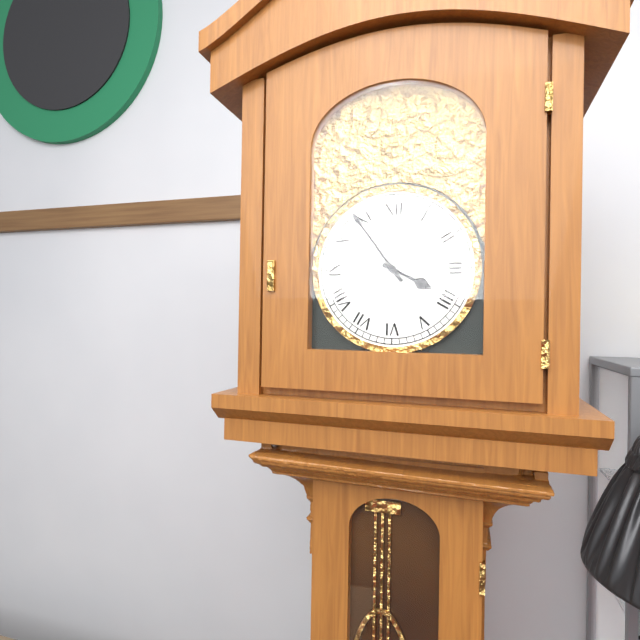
3.54
